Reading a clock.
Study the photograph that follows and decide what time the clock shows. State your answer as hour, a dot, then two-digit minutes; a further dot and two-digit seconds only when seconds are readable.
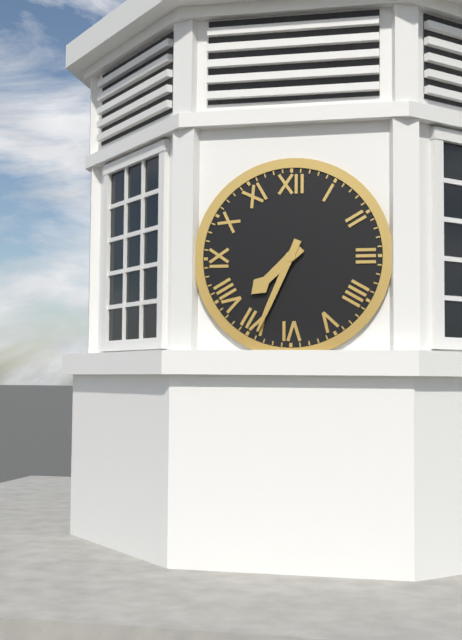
7.34
